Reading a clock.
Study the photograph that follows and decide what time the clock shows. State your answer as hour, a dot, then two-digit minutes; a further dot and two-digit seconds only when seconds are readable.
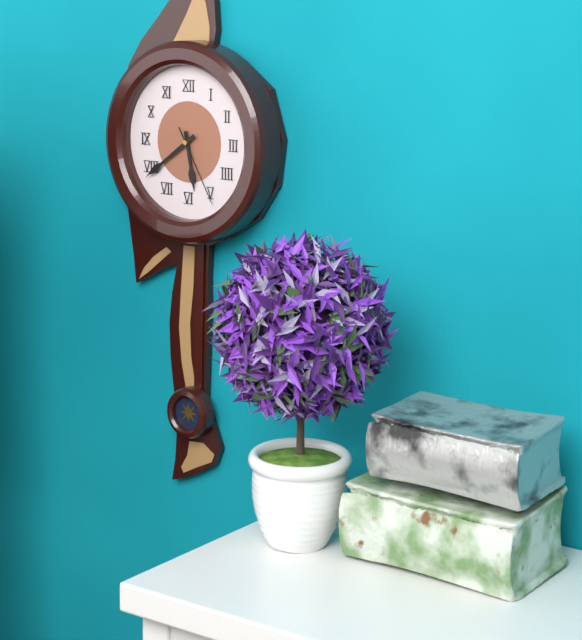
5.39.25
